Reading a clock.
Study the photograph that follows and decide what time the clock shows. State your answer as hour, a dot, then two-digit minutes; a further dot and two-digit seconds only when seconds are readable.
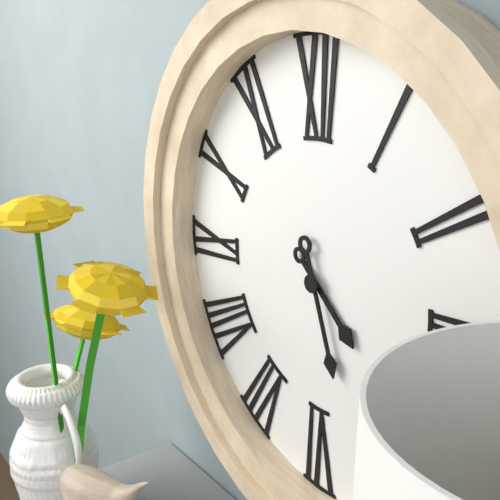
4.27
